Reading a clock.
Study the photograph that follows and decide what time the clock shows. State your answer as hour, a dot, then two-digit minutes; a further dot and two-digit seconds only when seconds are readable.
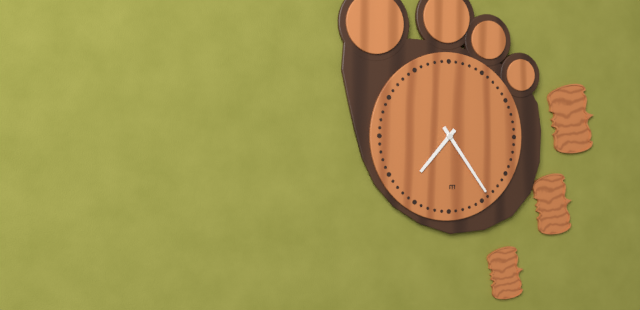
7.24
